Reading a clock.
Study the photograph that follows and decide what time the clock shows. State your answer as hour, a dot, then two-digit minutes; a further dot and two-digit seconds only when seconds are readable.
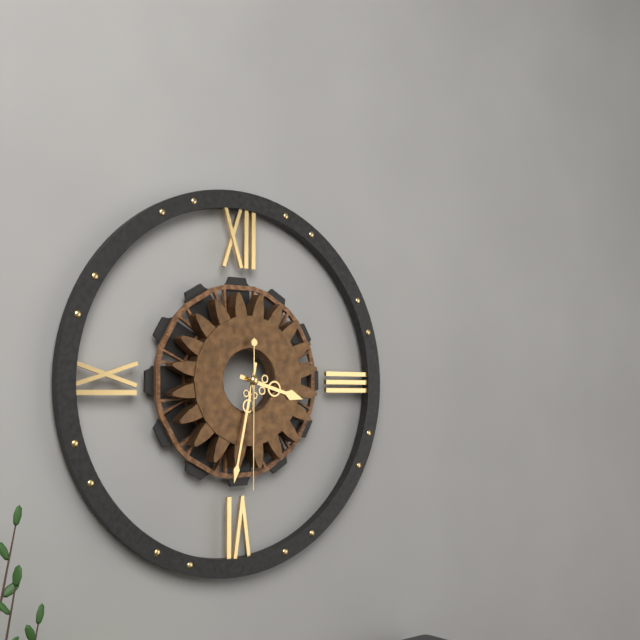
3.32.30
